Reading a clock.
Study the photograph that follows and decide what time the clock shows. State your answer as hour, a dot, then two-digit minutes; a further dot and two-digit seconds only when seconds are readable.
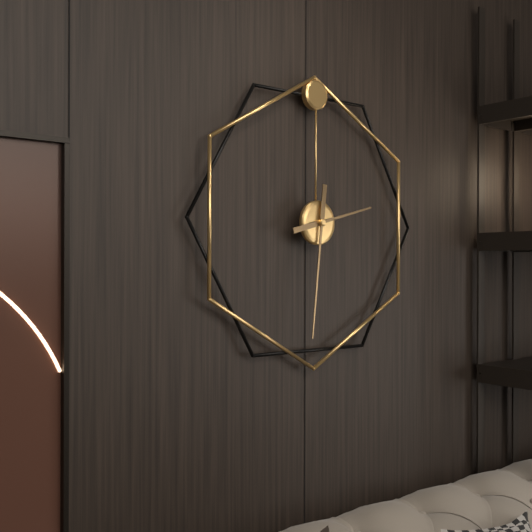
2.31
